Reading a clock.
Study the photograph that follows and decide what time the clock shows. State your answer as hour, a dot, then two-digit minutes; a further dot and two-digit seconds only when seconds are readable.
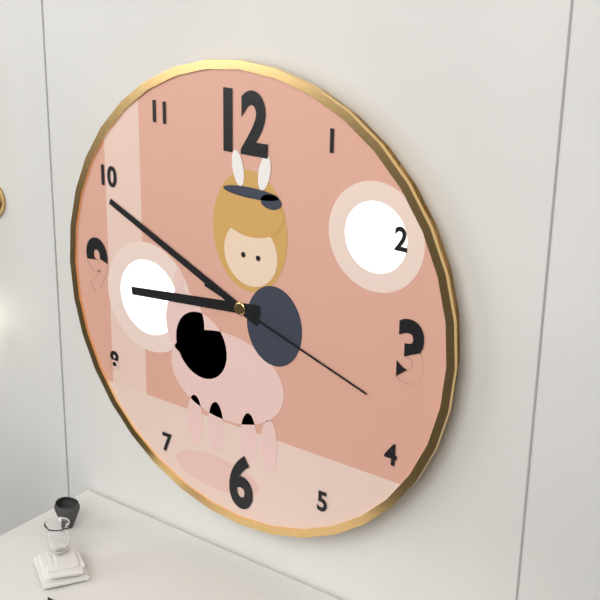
8.49.18
